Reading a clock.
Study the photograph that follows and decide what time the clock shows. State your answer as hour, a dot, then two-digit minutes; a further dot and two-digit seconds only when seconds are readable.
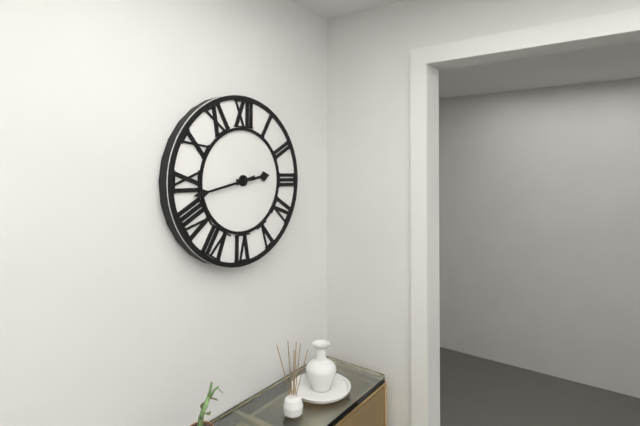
2.43
